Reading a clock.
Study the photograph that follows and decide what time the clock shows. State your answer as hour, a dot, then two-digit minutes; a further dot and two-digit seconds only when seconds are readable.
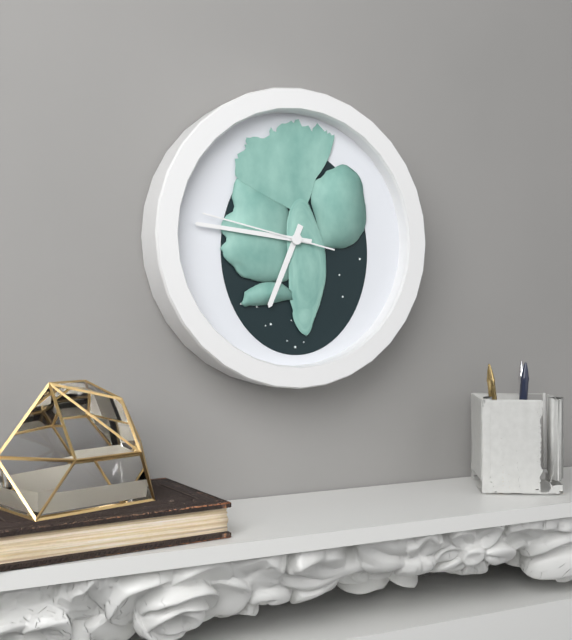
6.46.47
